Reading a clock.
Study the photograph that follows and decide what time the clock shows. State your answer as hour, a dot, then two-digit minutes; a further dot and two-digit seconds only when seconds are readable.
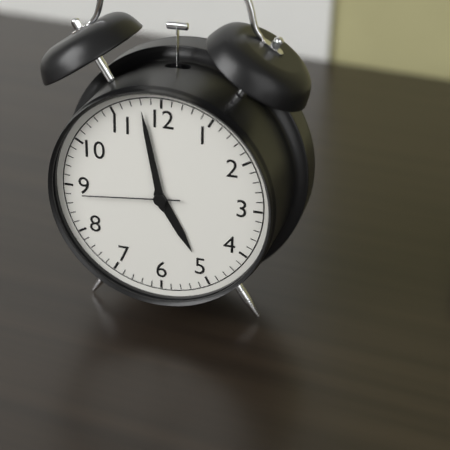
4.58.44
